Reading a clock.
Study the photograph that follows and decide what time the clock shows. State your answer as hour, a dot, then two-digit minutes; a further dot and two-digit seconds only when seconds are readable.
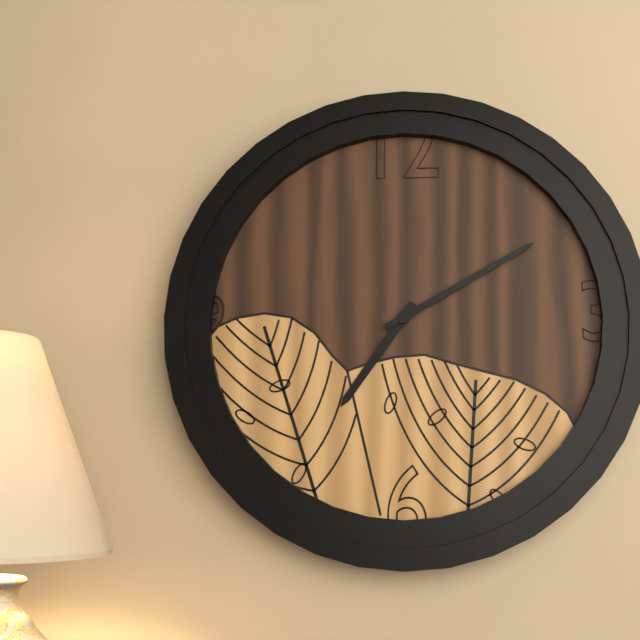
7.10
